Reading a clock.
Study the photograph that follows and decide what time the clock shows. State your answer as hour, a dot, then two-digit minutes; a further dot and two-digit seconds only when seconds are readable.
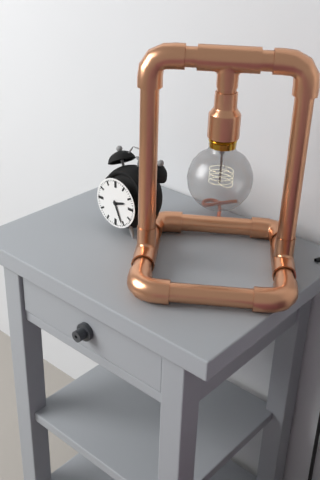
2.26
